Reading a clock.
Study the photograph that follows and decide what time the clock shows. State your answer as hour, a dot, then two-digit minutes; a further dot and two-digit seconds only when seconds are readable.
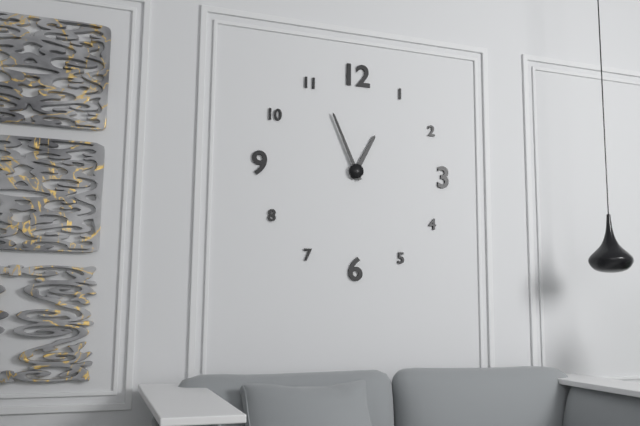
12.56
